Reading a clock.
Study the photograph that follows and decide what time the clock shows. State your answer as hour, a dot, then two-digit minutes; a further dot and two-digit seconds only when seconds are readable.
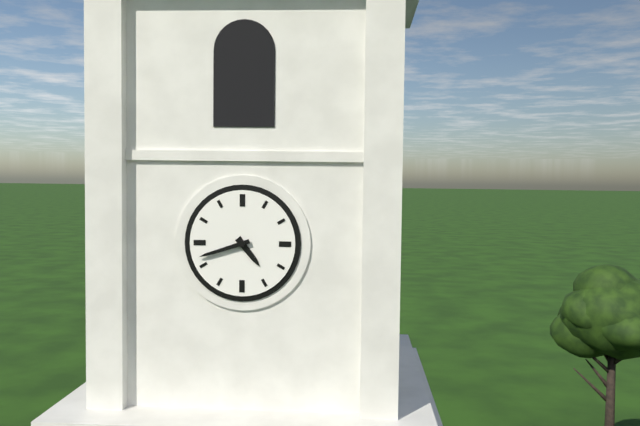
4.42
